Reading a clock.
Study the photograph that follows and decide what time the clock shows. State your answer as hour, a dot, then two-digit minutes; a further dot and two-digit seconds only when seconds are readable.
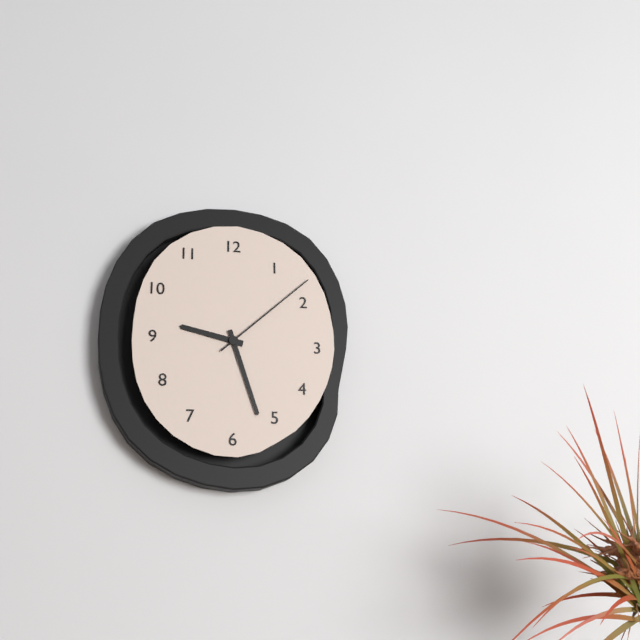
9.27.08
